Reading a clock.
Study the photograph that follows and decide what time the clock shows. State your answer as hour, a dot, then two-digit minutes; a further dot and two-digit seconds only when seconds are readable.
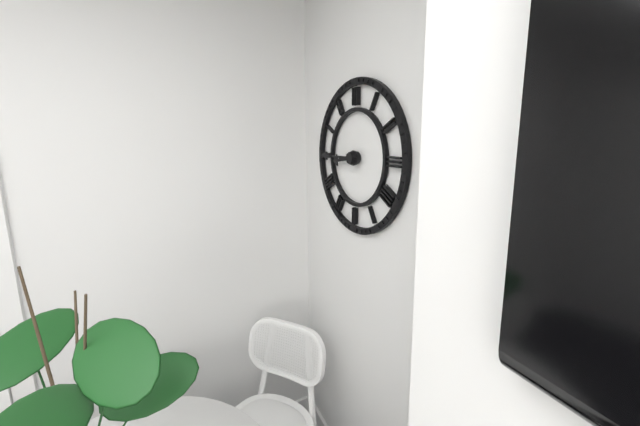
8.45
